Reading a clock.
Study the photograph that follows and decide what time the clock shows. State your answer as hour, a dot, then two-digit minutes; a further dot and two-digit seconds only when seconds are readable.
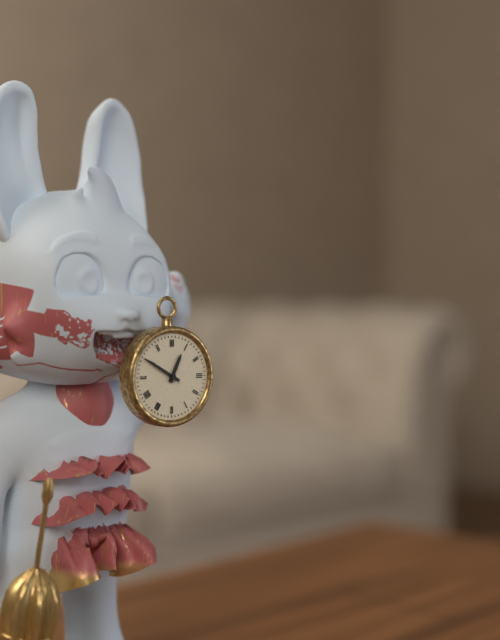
12.50
